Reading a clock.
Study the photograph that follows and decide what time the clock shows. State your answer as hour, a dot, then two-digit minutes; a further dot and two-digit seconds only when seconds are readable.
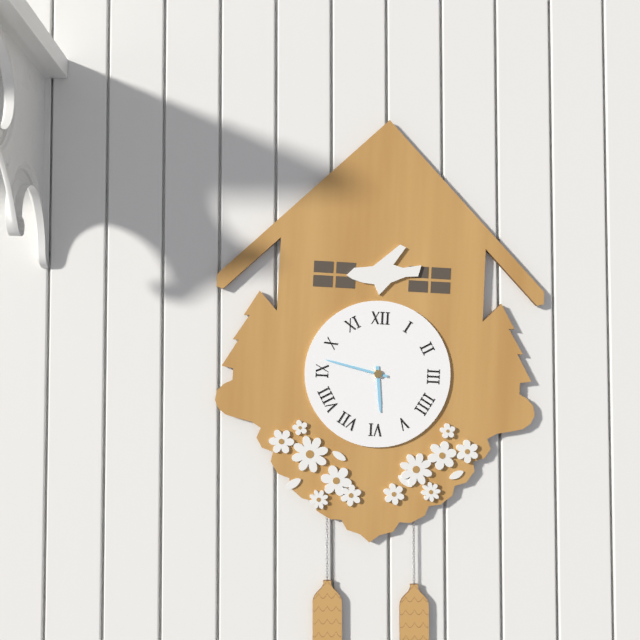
5.47
